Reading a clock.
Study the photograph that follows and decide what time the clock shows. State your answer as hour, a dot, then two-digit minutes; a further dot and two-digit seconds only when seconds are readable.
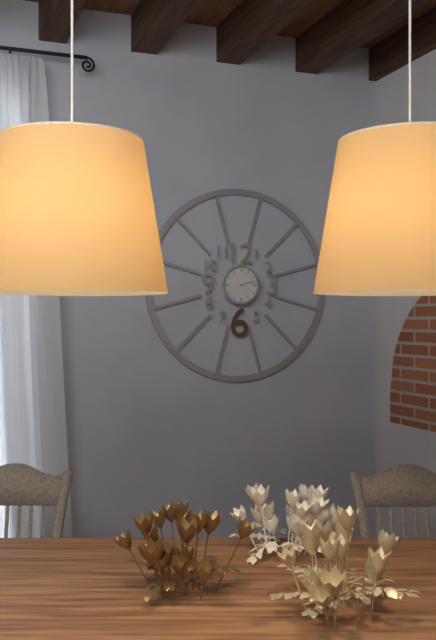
2.12
